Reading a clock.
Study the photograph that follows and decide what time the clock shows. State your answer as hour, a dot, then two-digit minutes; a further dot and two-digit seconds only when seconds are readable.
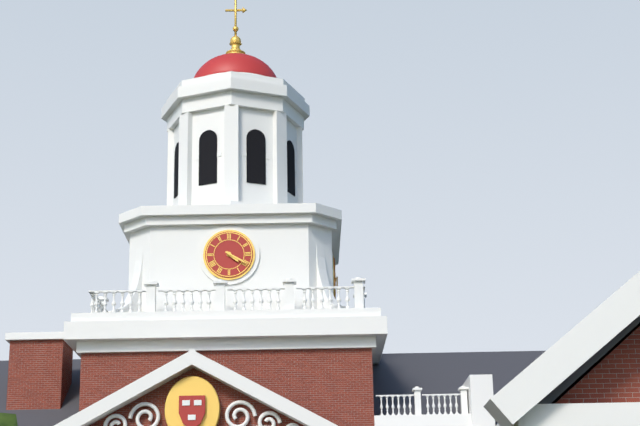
4.20
